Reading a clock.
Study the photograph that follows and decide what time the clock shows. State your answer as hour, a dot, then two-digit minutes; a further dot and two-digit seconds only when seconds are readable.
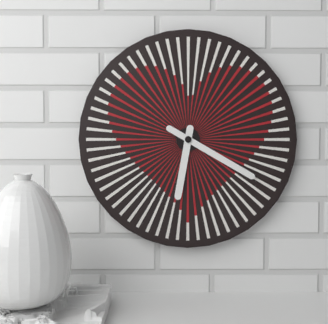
6.20
